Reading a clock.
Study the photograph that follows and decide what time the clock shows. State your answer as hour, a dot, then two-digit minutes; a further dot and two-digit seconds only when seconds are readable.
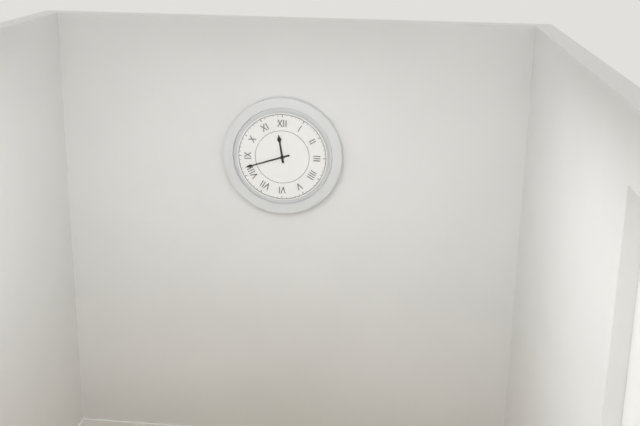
11.42
